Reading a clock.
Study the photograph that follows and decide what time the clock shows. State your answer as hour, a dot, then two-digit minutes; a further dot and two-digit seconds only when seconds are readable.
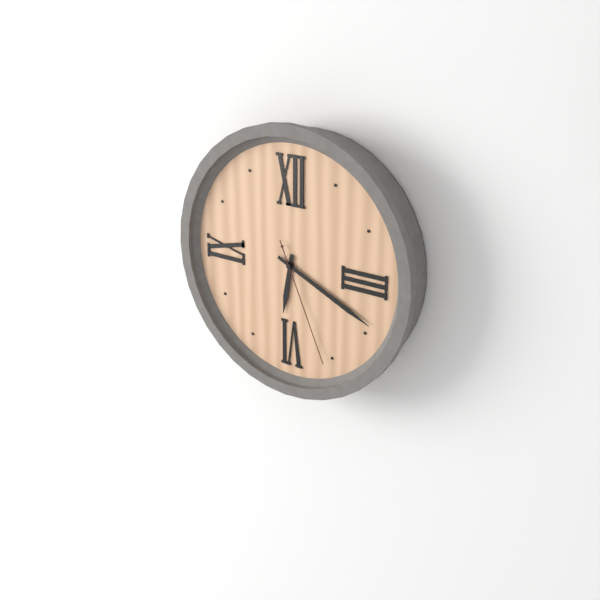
6.19.26
